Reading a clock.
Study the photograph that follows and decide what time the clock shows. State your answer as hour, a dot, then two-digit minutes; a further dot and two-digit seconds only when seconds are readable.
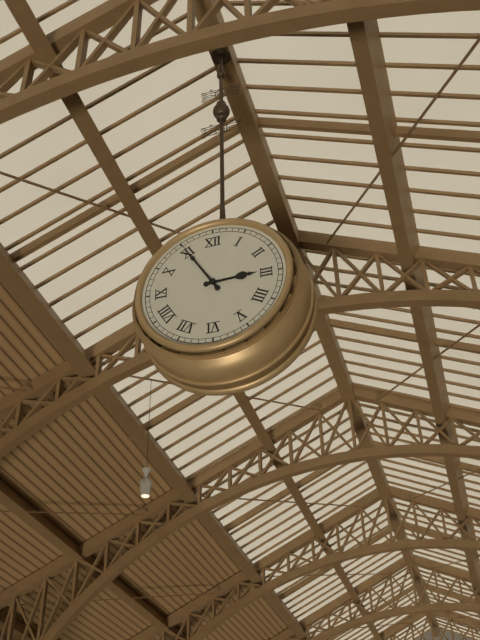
2.55
